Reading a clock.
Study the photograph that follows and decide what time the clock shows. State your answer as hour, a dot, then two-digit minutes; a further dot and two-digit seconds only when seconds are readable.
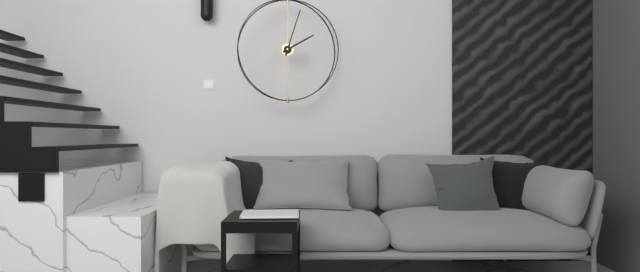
2.03
